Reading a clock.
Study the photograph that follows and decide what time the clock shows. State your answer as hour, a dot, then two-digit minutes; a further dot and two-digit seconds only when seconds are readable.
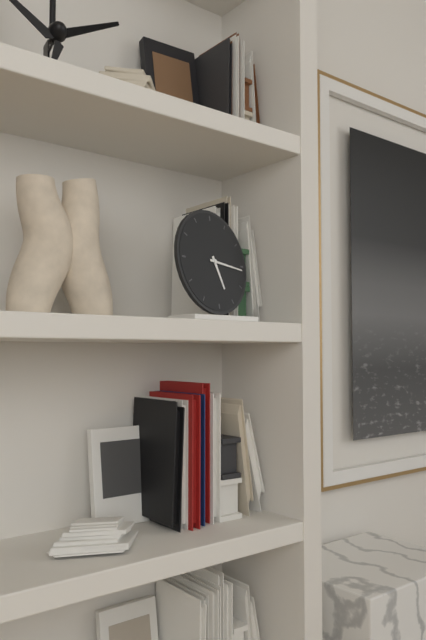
5.16
